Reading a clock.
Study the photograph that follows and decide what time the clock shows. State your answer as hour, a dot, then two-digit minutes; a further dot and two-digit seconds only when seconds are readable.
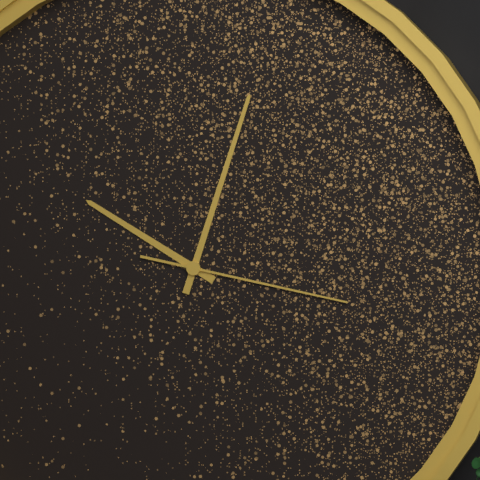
10.03.17
